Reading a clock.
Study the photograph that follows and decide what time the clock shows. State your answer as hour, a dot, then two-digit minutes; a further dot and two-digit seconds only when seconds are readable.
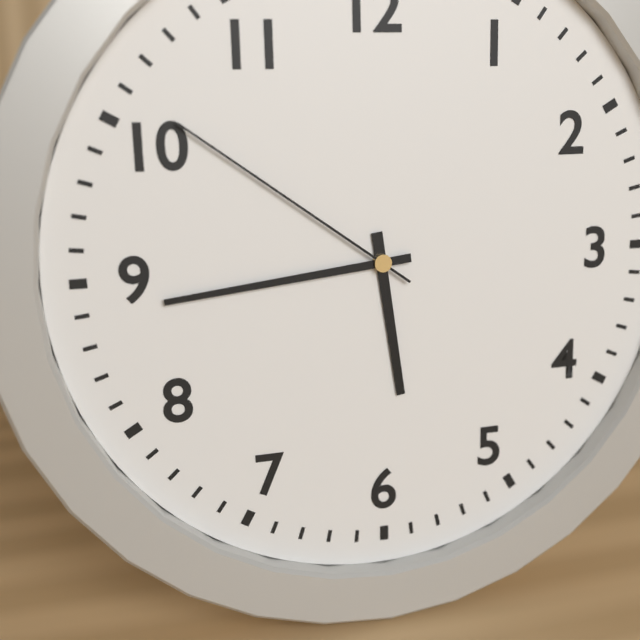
5.44.51
